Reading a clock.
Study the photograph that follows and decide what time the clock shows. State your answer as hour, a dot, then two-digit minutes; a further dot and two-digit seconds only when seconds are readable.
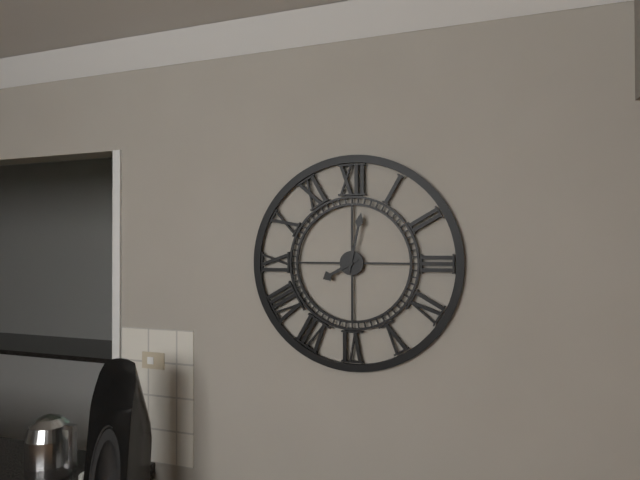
8.02
